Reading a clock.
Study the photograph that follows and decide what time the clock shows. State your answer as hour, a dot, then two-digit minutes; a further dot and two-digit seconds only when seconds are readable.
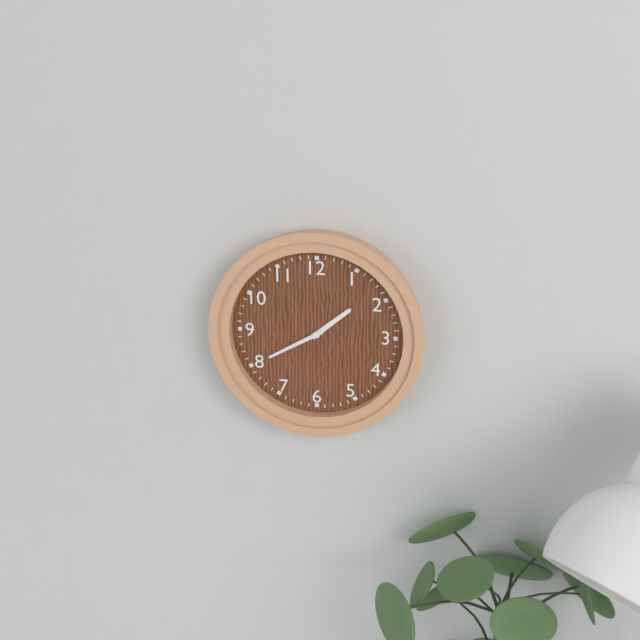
1.40
